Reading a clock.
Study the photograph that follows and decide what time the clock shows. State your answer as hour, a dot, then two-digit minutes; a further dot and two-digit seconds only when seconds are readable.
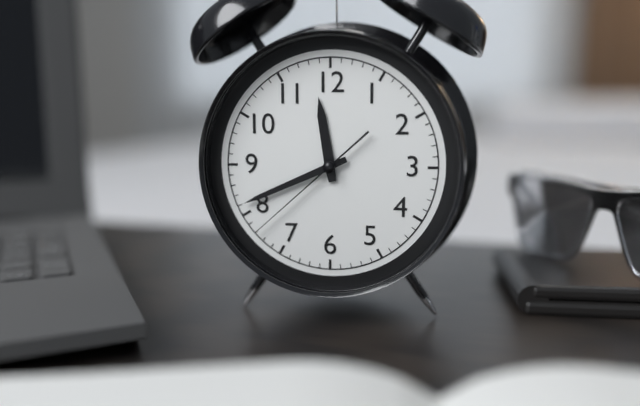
11.41.38
